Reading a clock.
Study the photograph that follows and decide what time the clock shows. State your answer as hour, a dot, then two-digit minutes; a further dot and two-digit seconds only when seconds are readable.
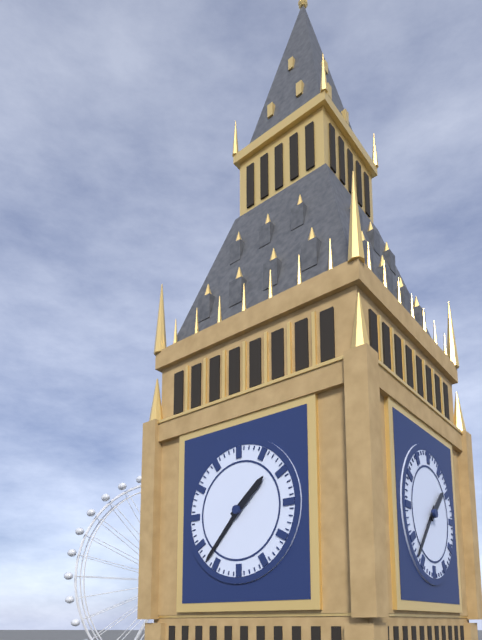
1.37
